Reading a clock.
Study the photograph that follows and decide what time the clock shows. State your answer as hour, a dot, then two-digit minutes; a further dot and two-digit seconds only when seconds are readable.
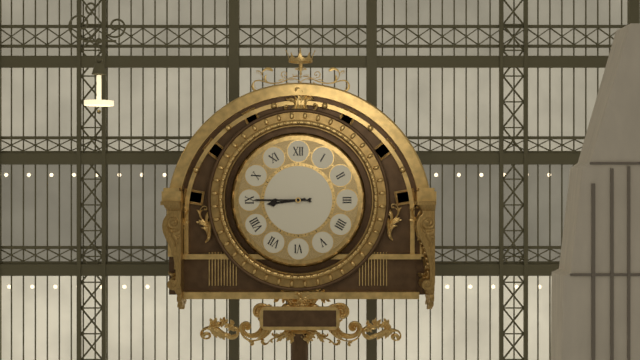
8.45
